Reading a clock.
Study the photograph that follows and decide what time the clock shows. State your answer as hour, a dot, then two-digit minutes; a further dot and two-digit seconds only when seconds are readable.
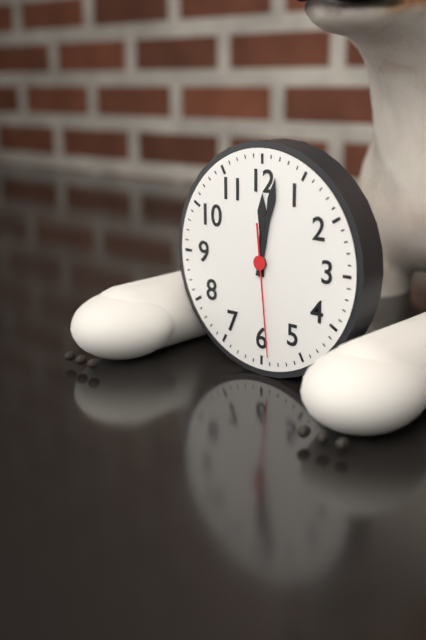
12.02.29
